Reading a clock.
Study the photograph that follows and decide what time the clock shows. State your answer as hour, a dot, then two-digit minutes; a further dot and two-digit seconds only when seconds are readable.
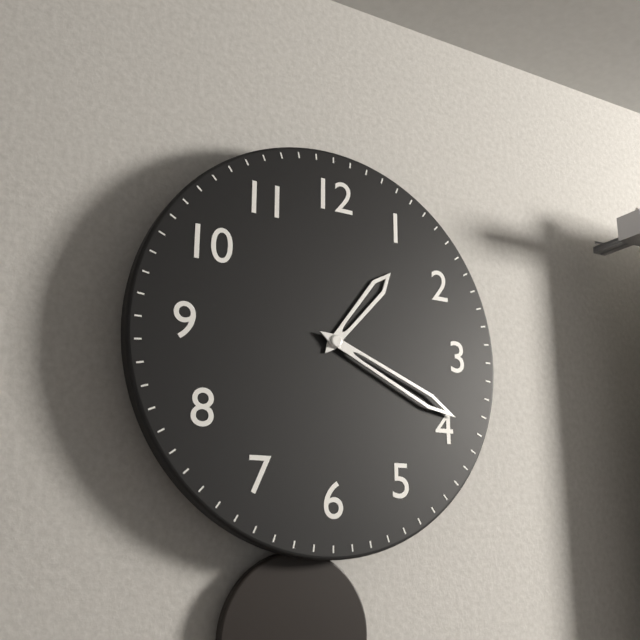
1.19
